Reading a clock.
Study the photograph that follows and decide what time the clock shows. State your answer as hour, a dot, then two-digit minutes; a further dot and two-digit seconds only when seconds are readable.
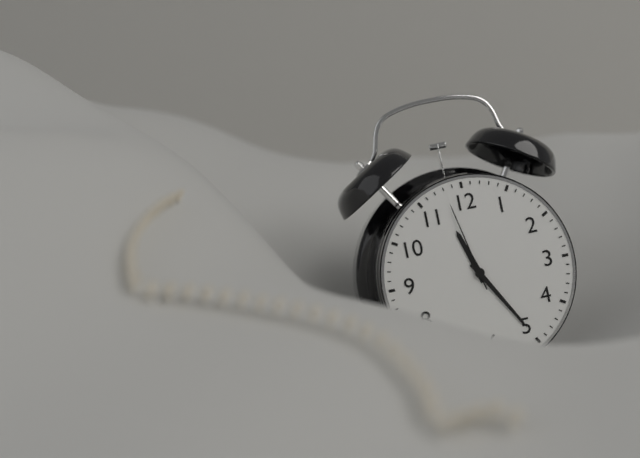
11.25.58
